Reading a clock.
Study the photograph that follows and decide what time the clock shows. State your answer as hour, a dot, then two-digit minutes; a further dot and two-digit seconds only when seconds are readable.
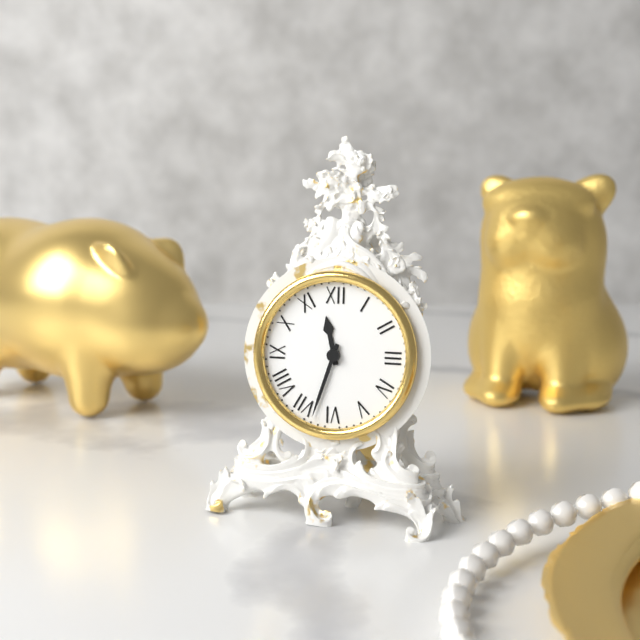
11.33
